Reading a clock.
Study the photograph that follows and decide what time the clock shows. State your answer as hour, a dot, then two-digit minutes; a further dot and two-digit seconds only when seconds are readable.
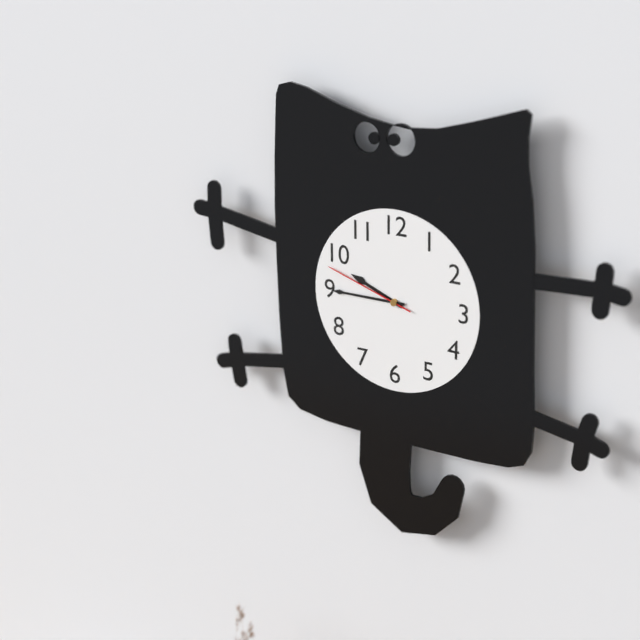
9.45.48
